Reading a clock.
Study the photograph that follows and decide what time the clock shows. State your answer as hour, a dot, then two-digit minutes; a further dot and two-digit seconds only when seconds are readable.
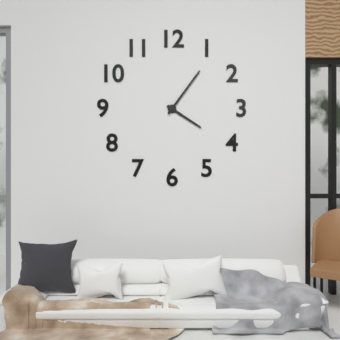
4.06
